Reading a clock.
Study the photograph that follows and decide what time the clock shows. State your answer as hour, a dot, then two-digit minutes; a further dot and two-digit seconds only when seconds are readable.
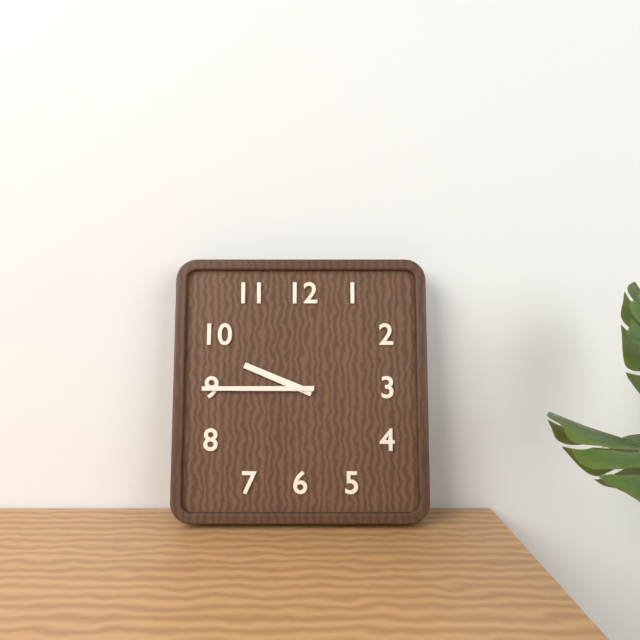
9.45
